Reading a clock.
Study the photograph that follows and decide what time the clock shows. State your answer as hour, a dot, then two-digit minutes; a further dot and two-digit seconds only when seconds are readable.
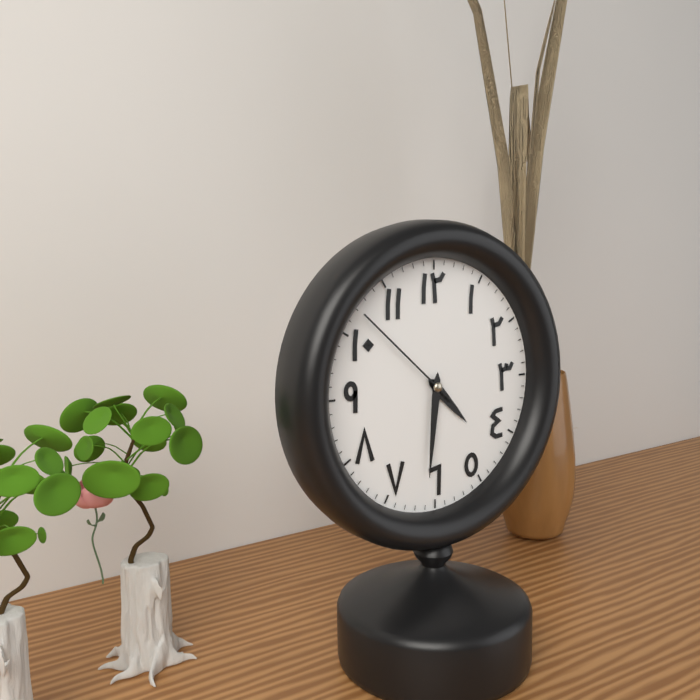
4.31.52
